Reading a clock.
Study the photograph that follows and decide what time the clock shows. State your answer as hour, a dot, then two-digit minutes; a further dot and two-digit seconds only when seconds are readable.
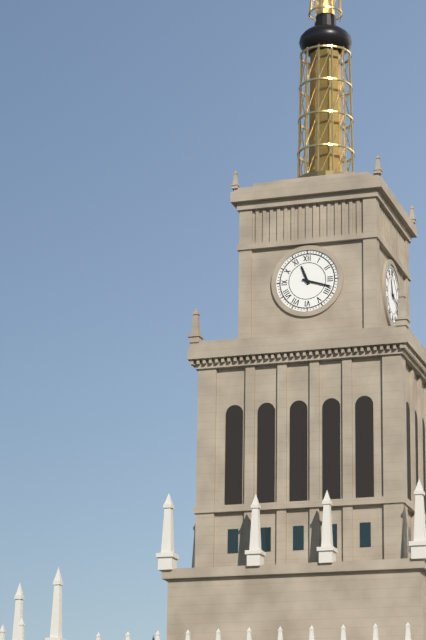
11.18
